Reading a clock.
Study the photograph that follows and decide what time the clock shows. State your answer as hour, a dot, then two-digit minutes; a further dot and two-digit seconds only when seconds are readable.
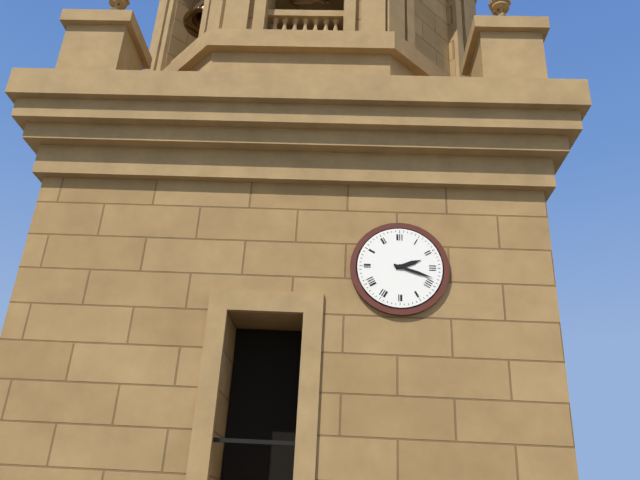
2.18
